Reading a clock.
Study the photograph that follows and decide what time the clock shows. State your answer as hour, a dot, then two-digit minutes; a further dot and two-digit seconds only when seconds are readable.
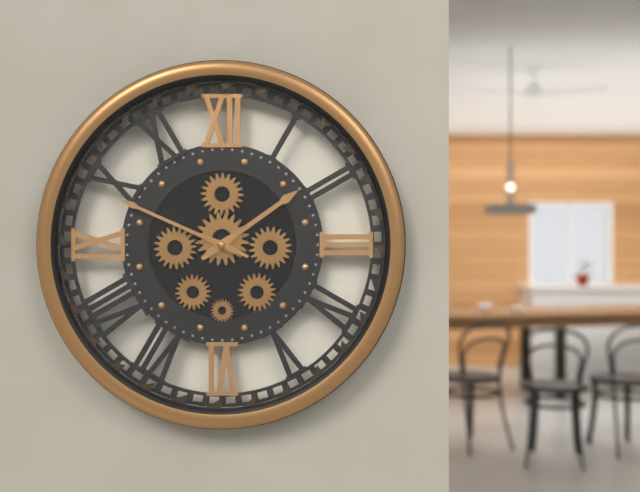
1.49
